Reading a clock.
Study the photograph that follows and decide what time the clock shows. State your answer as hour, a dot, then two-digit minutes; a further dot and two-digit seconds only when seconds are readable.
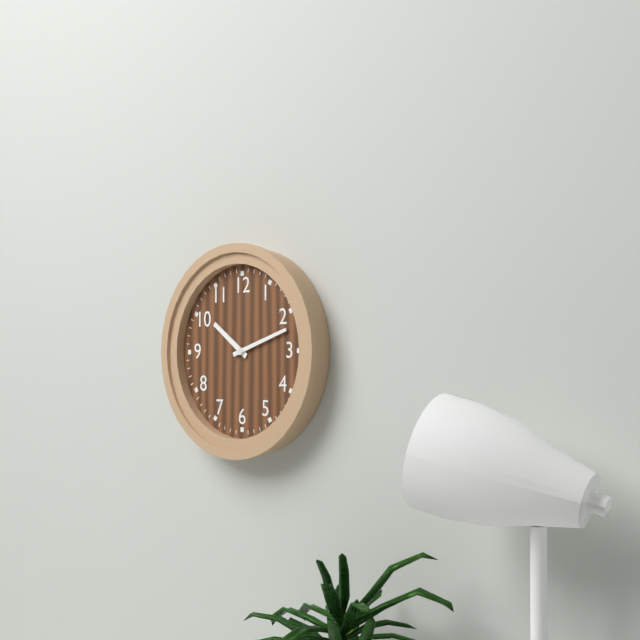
10.12
